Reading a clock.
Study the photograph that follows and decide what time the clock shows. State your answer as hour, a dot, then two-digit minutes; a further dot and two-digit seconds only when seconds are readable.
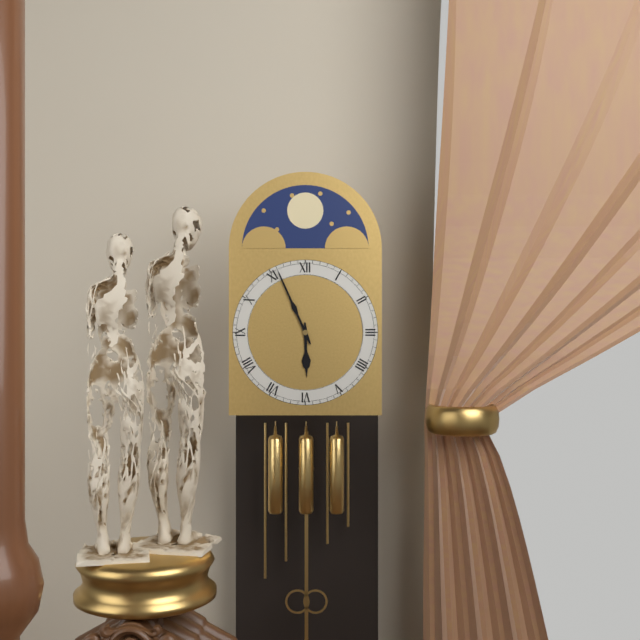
5.56
